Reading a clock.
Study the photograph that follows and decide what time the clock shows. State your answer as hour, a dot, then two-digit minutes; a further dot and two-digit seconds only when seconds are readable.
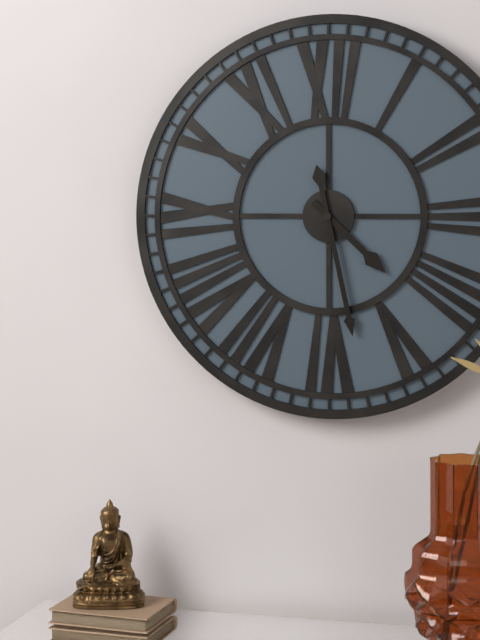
4.28
